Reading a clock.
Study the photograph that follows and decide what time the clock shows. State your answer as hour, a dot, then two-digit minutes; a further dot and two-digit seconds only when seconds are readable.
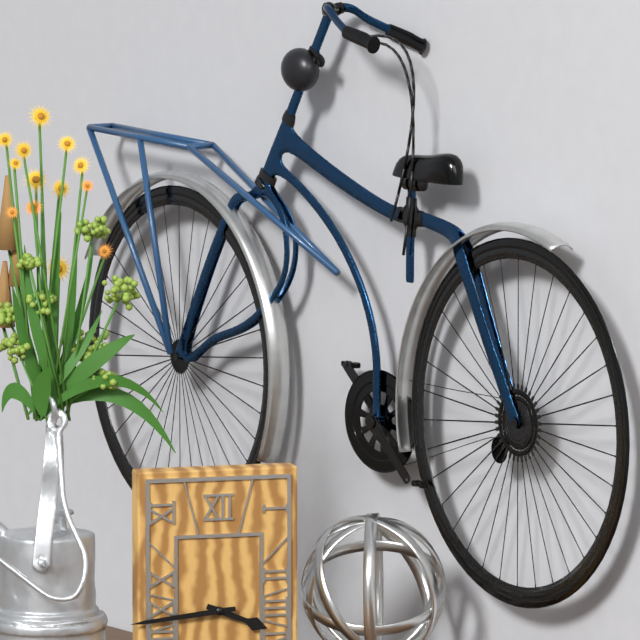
3.44
